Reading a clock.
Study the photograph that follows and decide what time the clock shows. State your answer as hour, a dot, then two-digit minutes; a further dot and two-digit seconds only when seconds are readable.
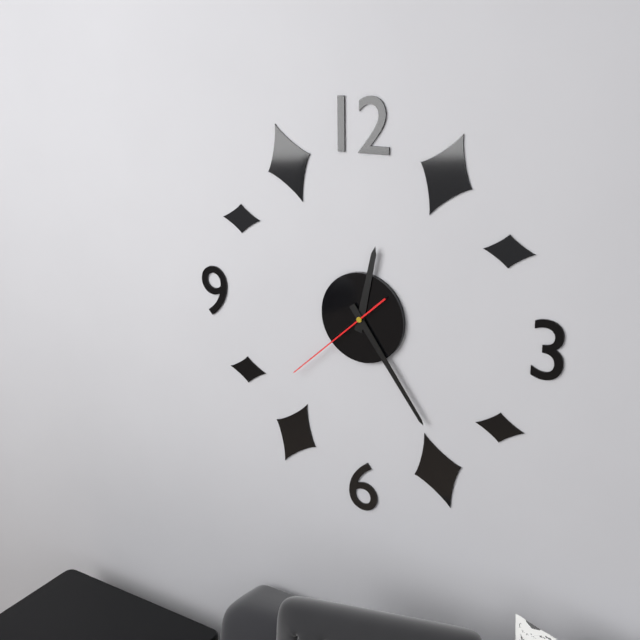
12.24.38
